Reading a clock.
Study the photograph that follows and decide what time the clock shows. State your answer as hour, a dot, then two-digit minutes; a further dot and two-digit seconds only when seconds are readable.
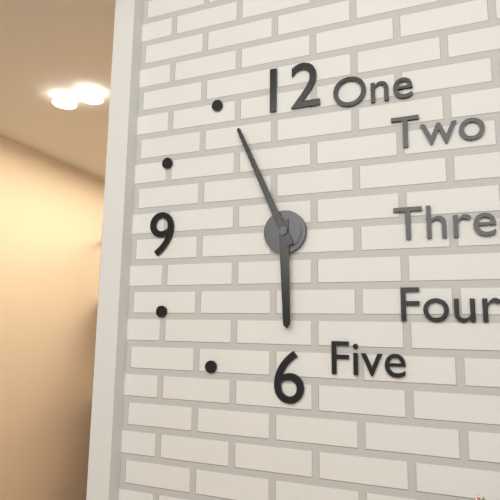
5.56
